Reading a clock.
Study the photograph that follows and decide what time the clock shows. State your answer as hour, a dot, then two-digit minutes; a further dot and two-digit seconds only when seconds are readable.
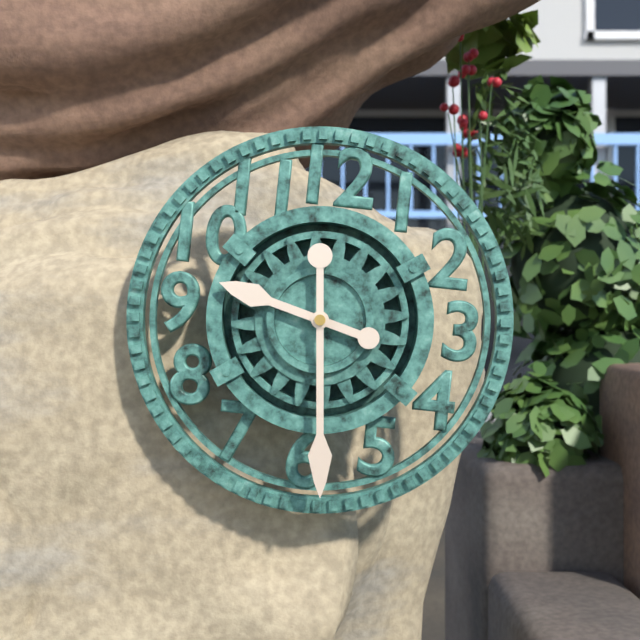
9.29
